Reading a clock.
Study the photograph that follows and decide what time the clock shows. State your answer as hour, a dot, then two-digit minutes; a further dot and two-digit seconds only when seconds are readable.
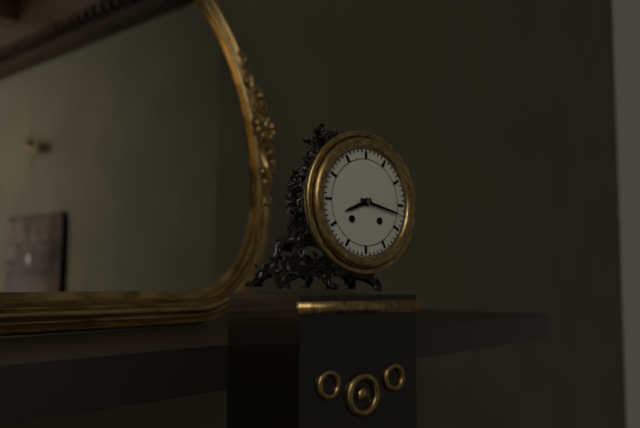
8.17
